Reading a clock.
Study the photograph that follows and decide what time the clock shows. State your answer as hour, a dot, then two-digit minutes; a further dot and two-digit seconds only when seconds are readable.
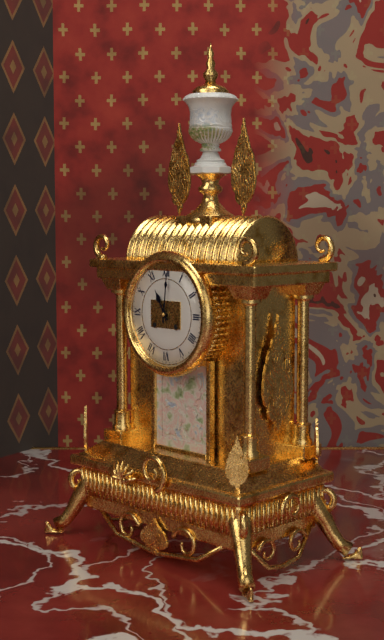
11.01
